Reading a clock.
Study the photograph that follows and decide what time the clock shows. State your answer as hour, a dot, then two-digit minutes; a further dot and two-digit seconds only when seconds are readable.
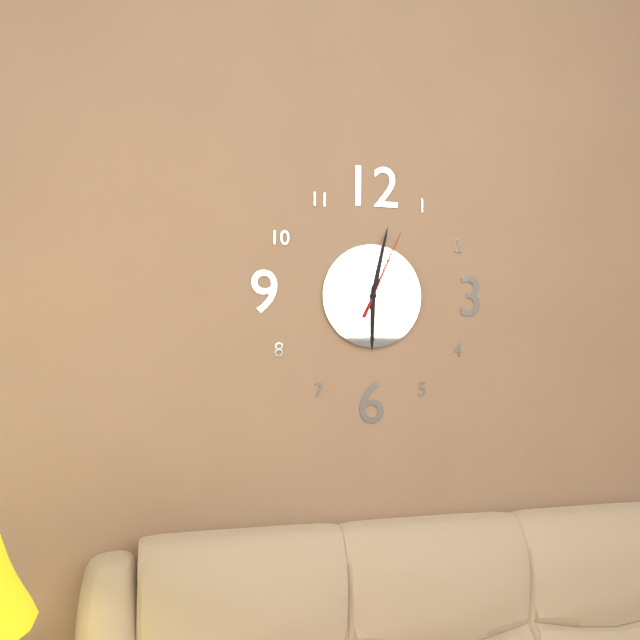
6.02.04
